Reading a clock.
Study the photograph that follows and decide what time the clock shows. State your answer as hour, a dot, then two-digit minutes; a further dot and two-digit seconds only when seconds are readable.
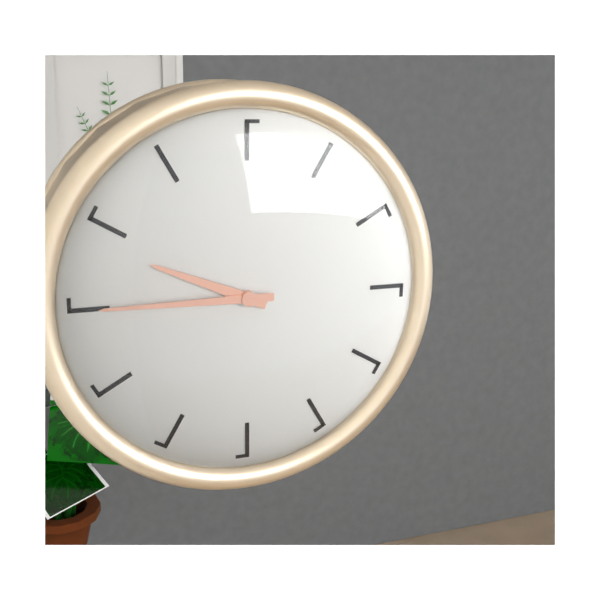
9.45
